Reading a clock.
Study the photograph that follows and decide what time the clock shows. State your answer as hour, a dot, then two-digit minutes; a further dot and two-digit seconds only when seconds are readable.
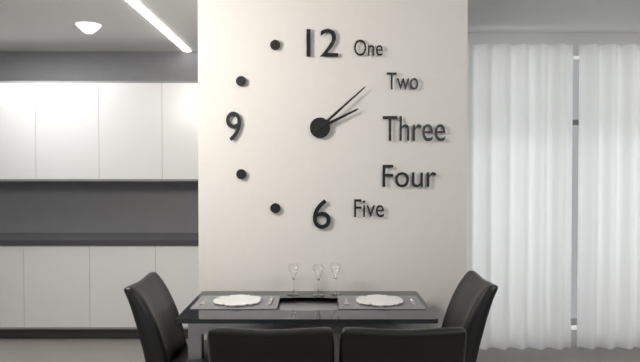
2.08
